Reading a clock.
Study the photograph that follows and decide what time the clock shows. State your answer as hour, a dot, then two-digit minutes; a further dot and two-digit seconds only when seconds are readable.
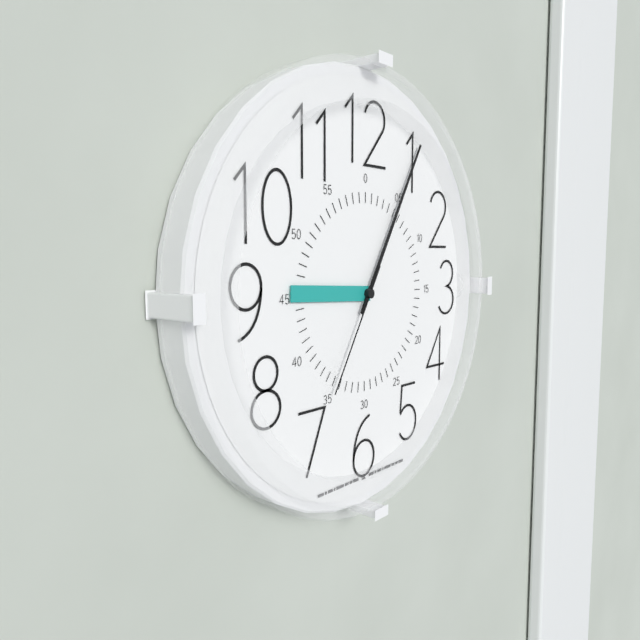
9.05.35
